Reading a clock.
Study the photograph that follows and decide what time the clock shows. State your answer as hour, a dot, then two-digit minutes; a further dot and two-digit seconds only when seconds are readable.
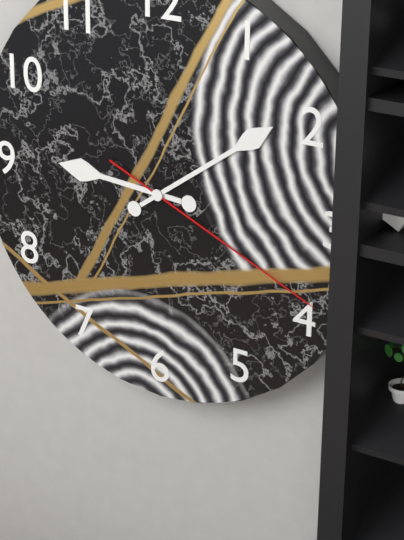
9.09.19
